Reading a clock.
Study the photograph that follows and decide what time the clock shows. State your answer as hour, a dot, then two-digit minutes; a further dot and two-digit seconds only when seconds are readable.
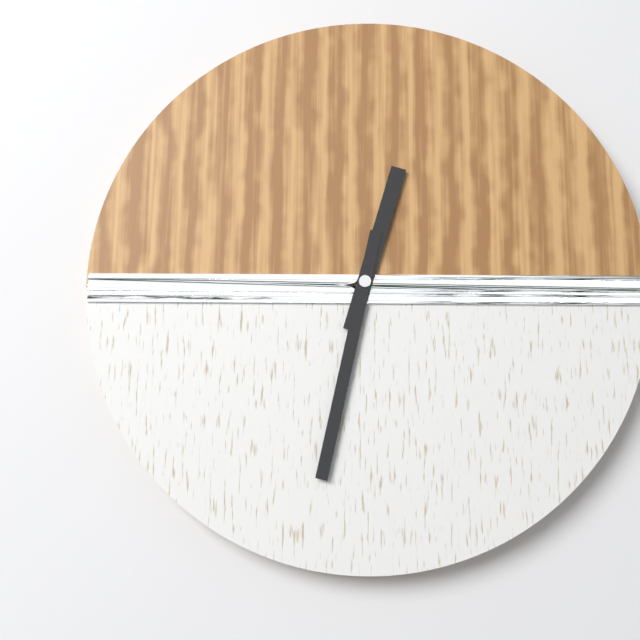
12.32
